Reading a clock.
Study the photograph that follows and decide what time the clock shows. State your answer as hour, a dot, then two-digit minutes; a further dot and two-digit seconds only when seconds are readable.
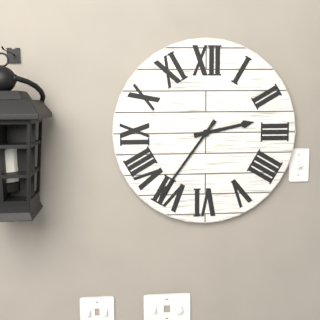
2.36
